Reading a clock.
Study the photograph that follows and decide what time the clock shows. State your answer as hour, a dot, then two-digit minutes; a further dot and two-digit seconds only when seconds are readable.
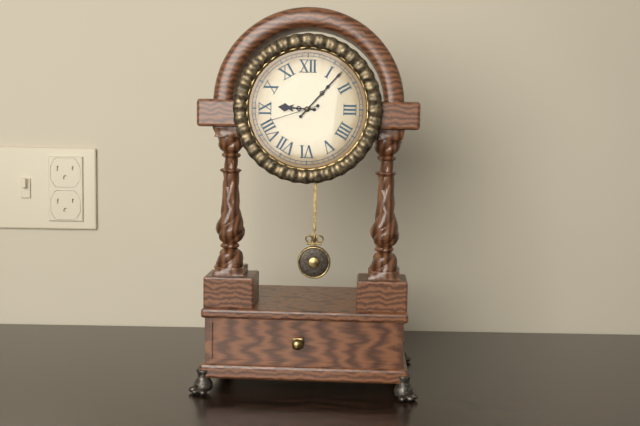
9.07.42
